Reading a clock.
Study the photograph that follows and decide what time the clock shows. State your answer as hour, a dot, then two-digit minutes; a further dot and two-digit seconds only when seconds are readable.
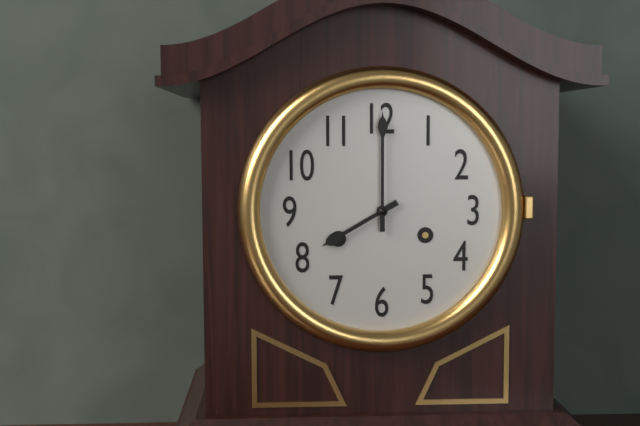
8.00
